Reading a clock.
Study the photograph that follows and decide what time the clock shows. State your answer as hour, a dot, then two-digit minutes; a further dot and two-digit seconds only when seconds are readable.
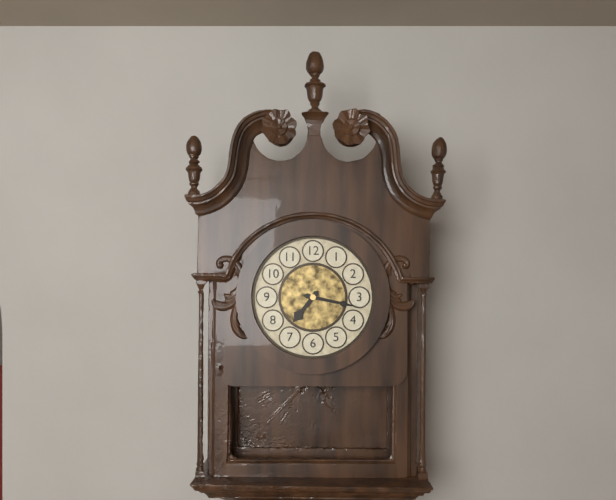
7.17
